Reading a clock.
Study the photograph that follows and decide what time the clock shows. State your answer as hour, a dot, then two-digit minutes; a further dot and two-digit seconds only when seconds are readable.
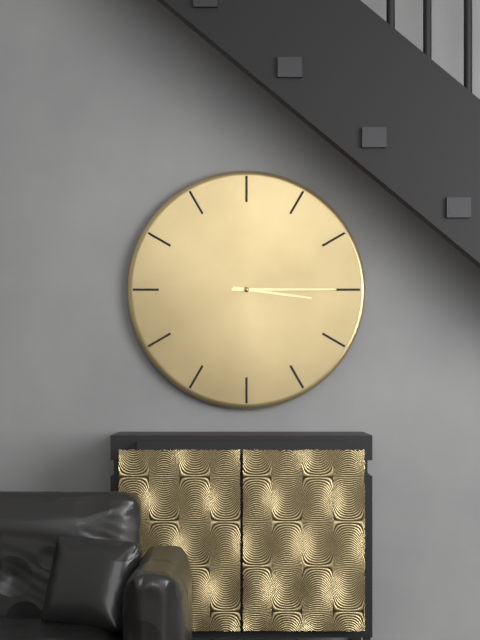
3.15
